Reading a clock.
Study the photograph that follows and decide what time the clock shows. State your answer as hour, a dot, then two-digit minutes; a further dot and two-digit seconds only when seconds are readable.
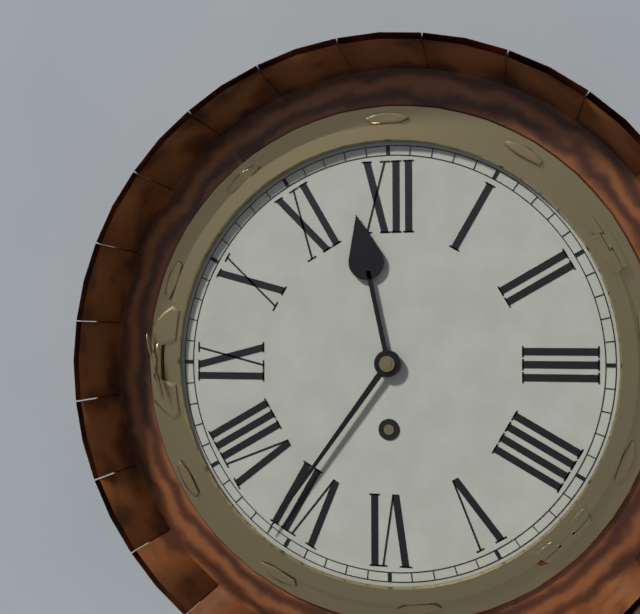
11.36
